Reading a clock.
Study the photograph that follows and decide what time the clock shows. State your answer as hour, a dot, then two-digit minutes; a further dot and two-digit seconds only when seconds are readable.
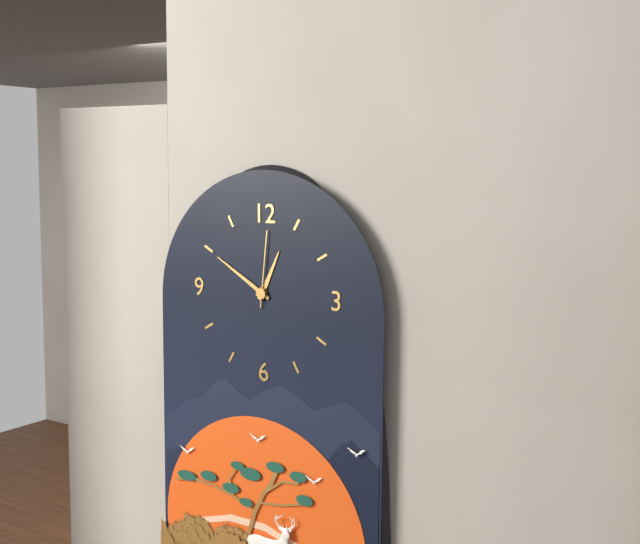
12.50.01
